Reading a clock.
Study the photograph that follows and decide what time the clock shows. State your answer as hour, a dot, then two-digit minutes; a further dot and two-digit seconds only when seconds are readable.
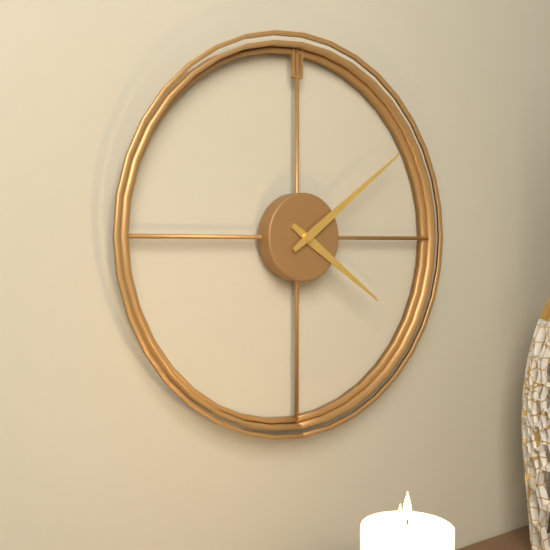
4.09
